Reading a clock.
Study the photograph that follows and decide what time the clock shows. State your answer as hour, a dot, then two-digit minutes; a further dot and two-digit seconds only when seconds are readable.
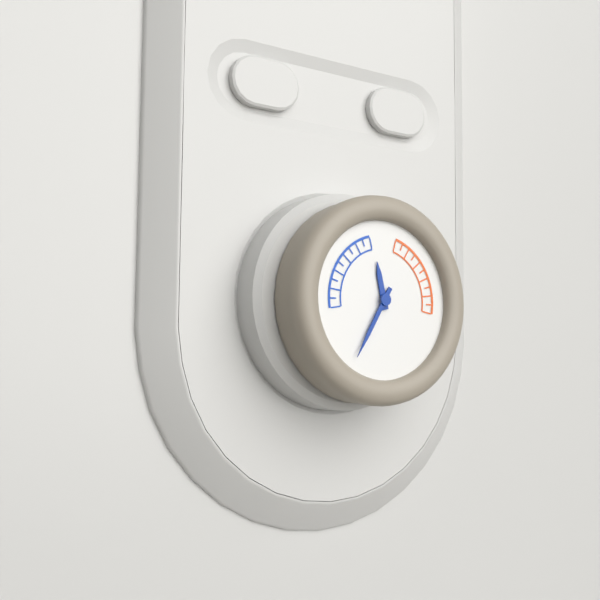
11.35
